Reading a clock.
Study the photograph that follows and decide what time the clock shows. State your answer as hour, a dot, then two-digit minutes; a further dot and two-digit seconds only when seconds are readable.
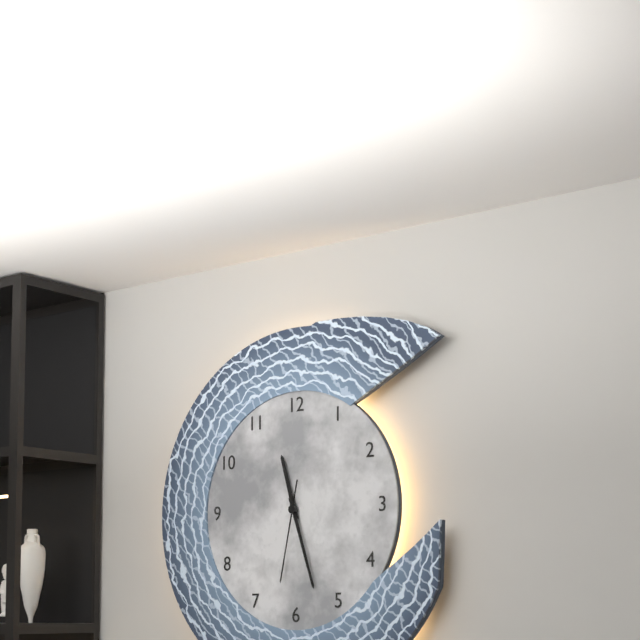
11.27.32
